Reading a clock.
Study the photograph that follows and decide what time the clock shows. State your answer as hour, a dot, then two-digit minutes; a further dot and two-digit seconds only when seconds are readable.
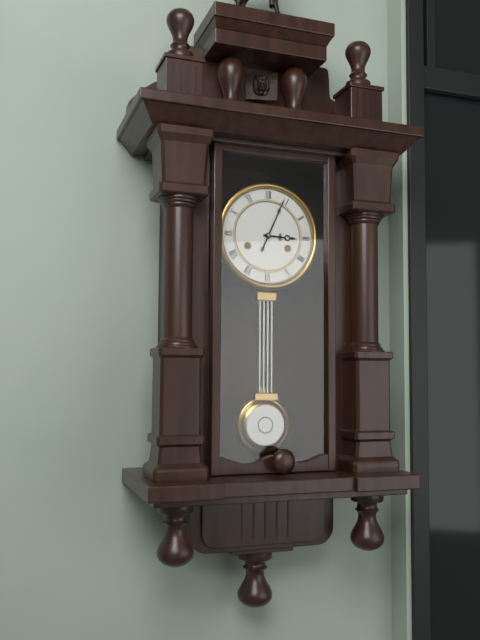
3.04
